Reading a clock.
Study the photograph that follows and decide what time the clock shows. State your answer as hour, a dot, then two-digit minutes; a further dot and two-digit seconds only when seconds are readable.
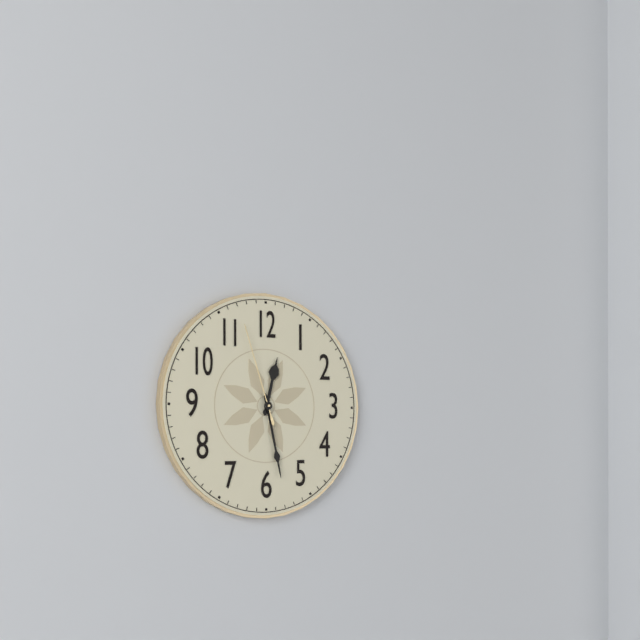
12.28.57
